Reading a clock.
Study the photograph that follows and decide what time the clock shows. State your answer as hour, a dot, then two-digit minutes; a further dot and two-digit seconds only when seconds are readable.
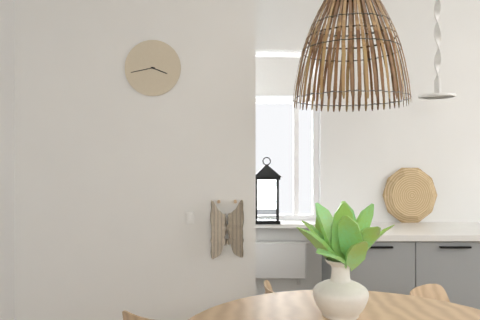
3.43
